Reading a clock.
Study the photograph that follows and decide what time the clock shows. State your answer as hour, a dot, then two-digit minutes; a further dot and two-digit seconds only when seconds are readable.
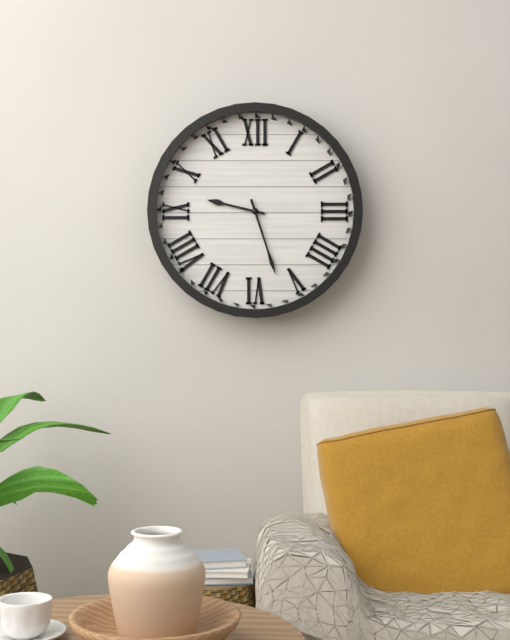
9.27
